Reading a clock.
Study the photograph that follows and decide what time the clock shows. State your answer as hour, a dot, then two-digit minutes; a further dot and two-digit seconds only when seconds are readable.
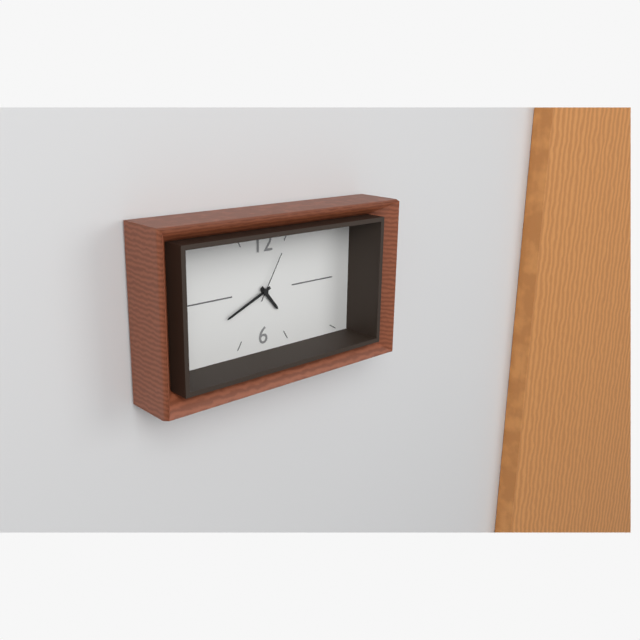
4.41.05
